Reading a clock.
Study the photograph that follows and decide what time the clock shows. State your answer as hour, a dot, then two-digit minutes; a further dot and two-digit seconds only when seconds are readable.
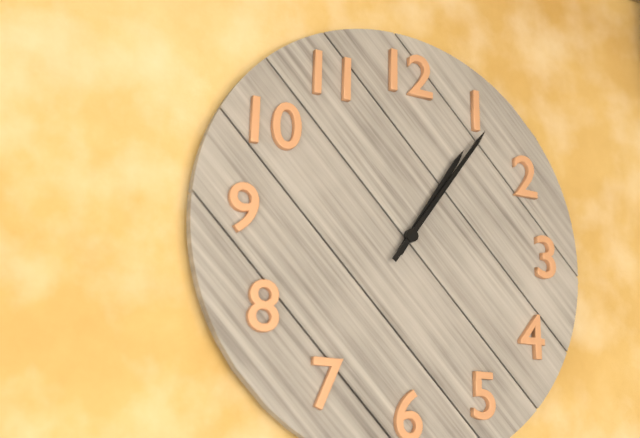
1.06
